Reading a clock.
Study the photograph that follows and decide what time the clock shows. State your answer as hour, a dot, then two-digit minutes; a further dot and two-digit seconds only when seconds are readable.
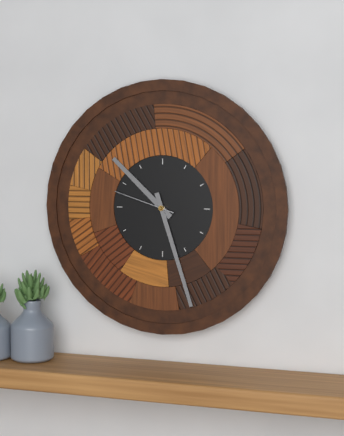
10.27.48
